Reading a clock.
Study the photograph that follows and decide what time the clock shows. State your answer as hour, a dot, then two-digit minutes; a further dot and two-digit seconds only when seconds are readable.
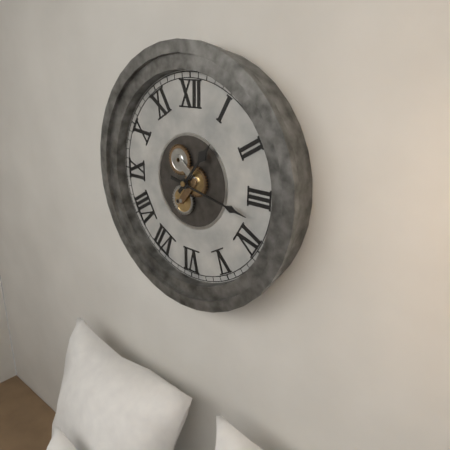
1.17
